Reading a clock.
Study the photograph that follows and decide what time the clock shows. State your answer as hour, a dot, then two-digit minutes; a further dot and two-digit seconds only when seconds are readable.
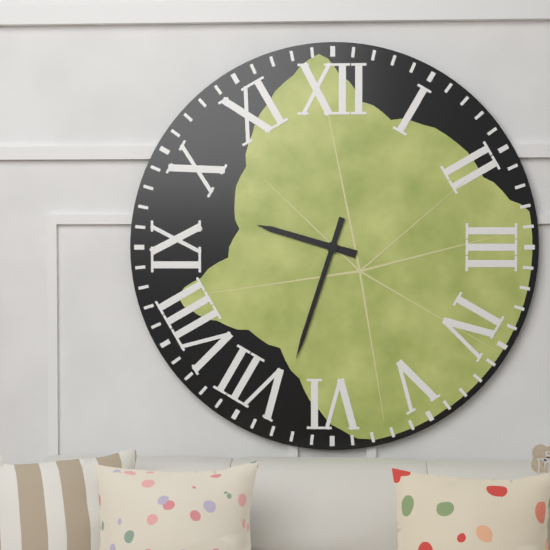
9.33
